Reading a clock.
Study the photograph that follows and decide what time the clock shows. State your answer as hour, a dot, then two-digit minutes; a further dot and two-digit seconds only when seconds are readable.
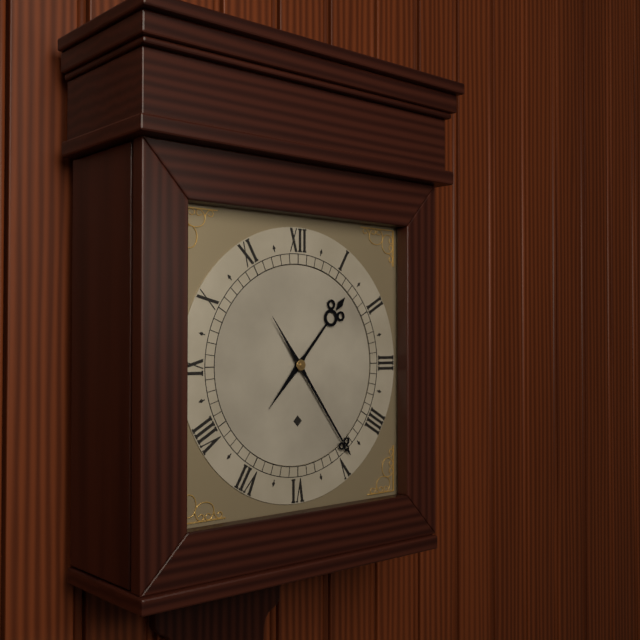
1.24
